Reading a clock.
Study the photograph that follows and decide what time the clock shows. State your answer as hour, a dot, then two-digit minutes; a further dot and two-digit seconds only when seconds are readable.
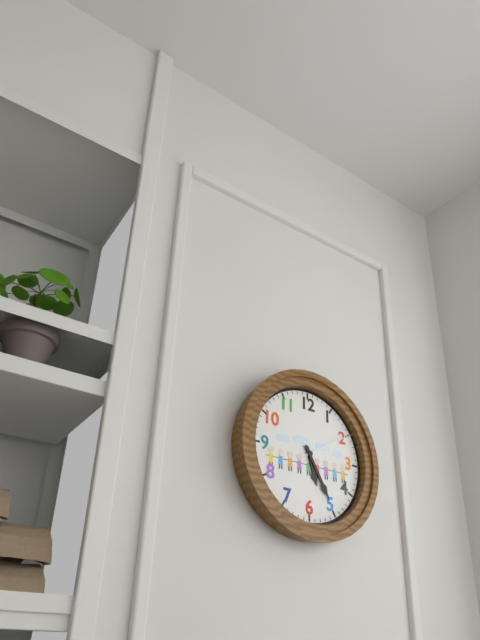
5.25.10
